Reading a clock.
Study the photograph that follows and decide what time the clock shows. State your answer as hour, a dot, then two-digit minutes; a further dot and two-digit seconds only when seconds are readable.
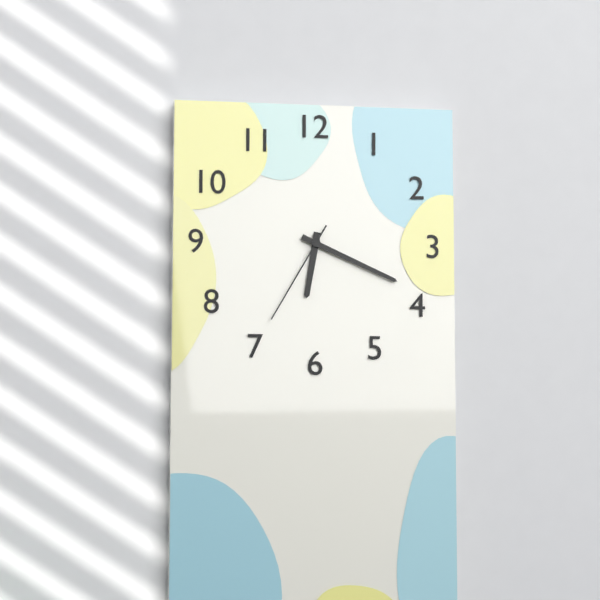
6.19.35
